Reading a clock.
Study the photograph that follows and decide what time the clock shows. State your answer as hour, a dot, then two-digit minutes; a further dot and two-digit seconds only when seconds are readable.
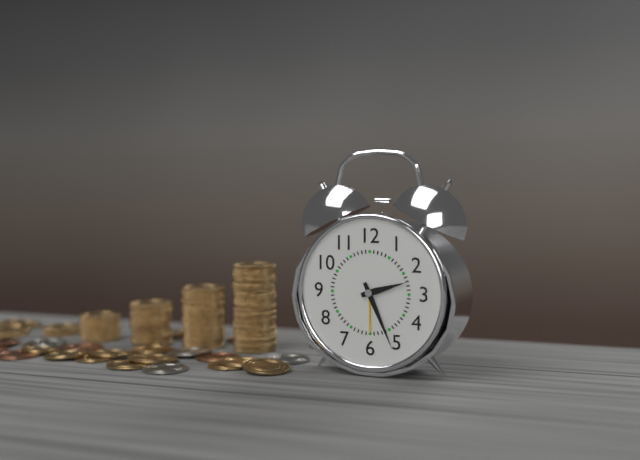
2.26
